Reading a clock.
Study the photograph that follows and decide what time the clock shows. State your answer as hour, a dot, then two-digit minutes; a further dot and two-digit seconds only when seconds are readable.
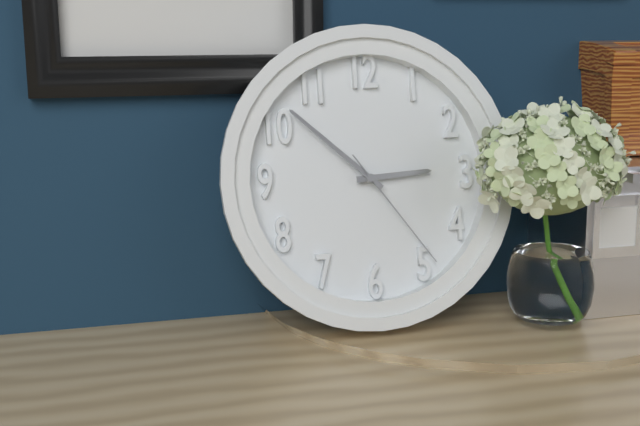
2.52.24
